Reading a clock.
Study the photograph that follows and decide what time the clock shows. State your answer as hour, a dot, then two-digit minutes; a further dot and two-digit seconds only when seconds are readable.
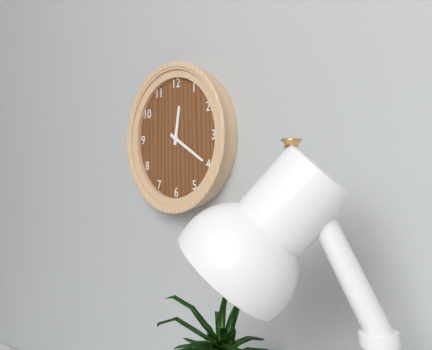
12.20
